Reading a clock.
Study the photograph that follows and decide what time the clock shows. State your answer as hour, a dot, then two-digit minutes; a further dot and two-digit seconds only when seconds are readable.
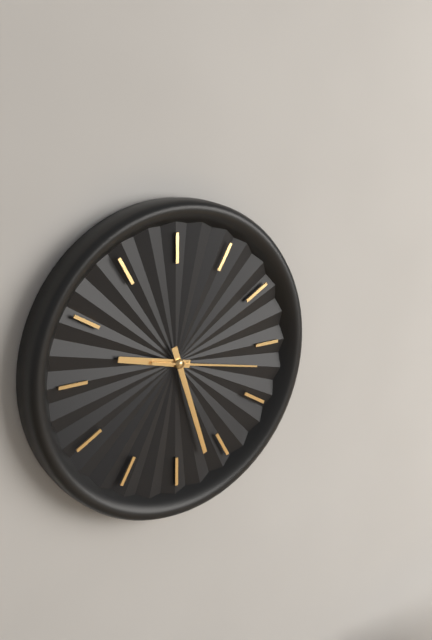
9.27.17
